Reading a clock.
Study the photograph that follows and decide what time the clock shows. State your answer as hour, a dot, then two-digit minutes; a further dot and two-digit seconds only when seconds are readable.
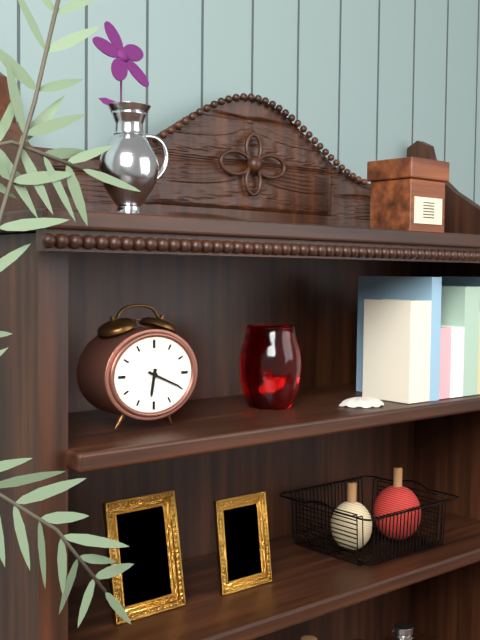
6.19
